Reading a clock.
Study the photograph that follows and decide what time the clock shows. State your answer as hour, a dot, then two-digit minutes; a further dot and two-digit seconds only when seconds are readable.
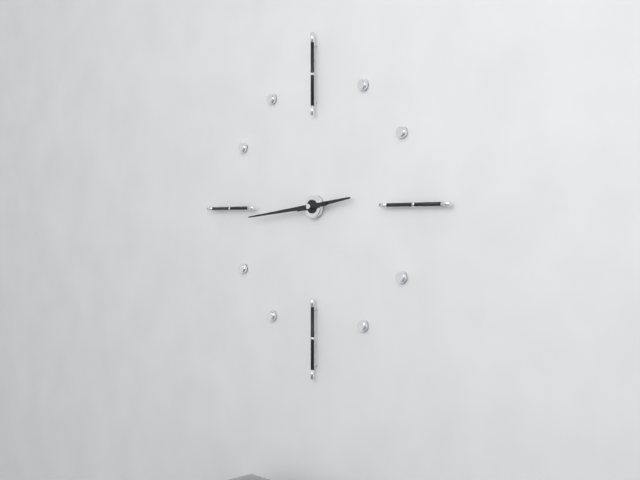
2.44
